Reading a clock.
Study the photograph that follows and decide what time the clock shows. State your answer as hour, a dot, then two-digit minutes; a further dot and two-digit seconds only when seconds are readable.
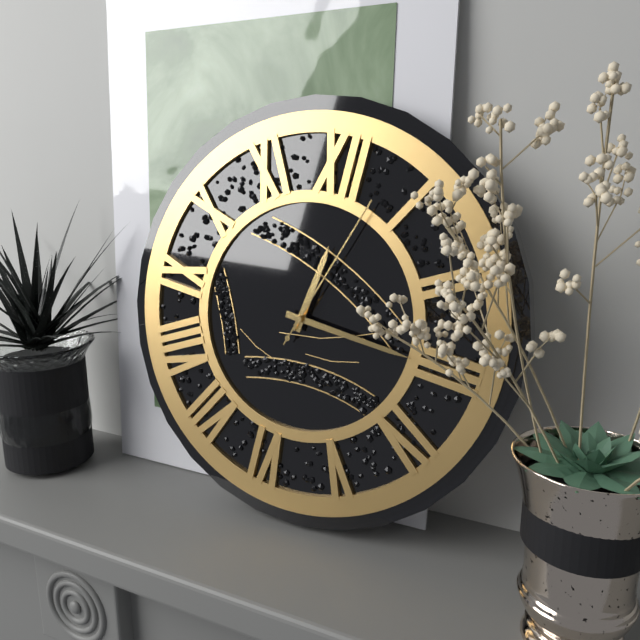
12.15.03
